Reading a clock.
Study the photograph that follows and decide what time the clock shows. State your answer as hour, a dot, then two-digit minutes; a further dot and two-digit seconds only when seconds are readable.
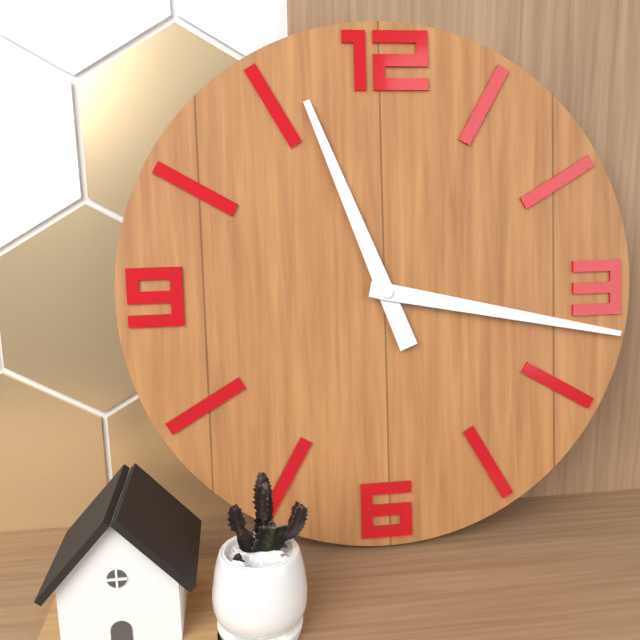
11.17
